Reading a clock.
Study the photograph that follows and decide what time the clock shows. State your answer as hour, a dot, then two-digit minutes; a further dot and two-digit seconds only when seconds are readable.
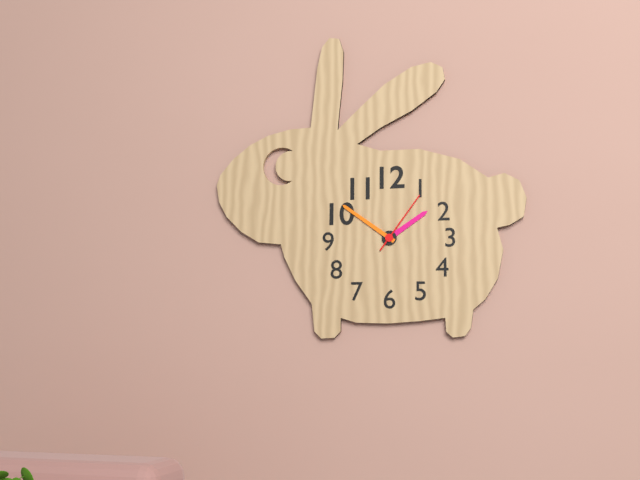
1.51.06
